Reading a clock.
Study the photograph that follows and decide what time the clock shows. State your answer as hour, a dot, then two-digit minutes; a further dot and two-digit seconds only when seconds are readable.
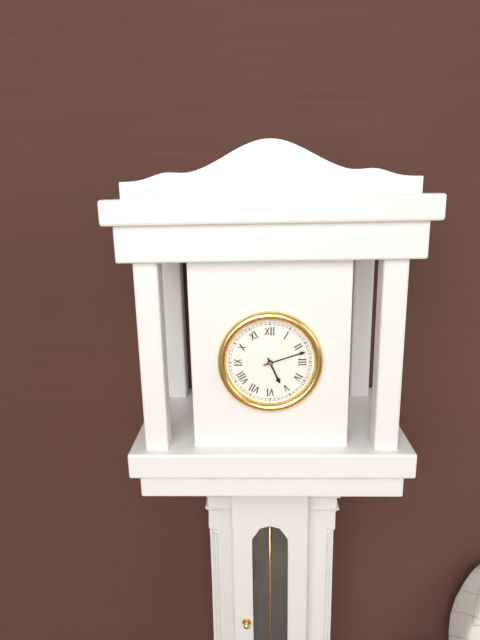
5.12
